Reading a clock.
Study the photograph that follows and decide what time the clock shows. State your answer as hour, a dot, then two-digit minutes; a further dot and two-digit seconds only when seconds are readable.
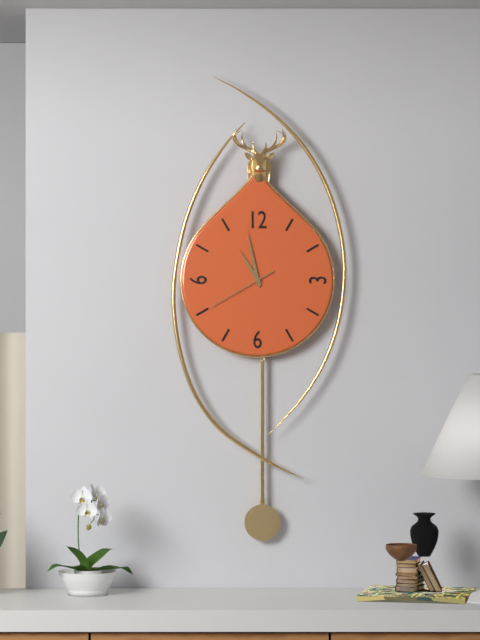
10.58.40
